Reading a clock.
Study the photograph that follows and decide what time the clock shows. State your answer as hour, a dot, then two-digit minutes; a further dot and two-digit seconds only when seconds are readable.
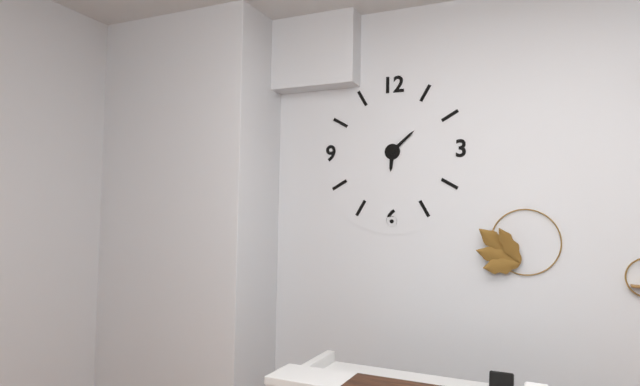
6.08
